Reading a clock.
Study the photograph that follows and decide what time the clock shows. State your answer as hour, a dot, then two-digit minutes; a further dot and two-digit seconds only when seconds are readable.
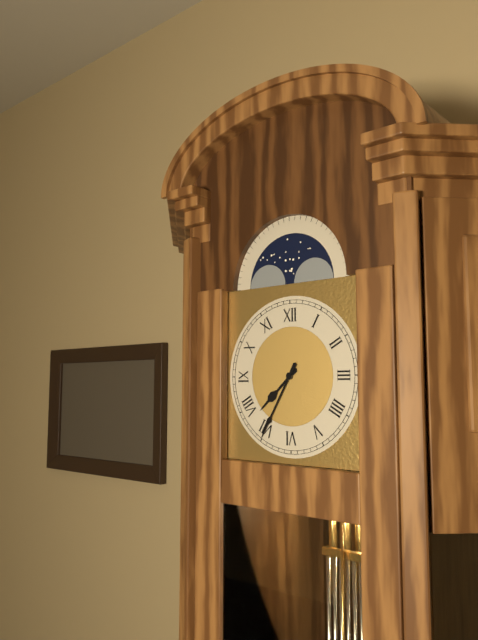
7.35
